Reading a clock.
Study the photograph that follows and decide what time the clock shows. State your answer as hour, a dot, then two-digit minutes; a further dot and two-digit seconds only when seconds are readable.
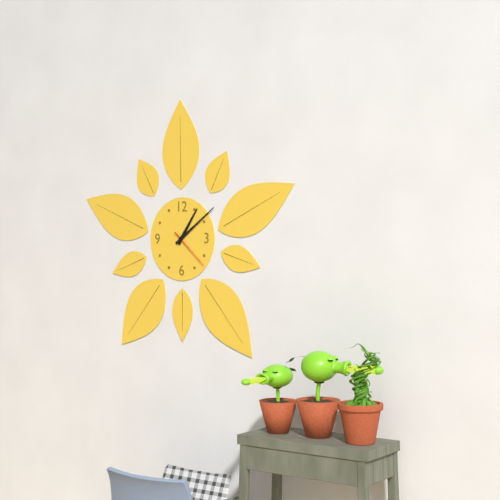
1.09
